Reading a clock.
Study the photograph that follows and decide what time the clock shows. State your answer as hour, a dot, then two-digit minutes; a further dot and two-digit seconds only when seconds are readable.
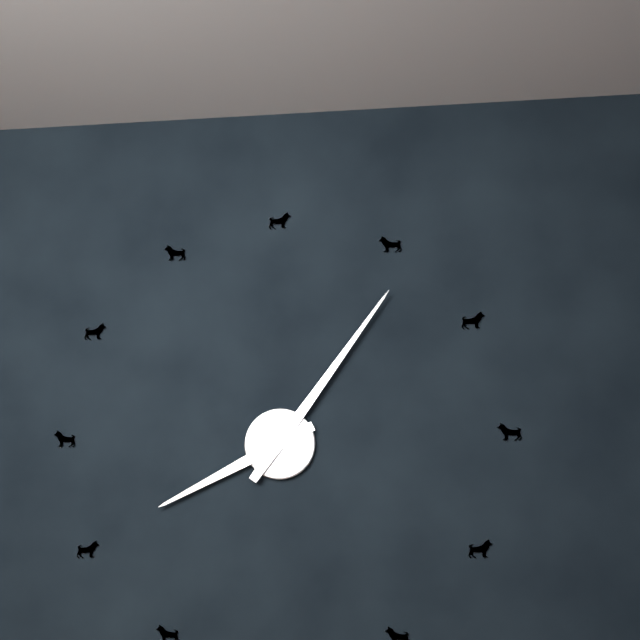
8.06
